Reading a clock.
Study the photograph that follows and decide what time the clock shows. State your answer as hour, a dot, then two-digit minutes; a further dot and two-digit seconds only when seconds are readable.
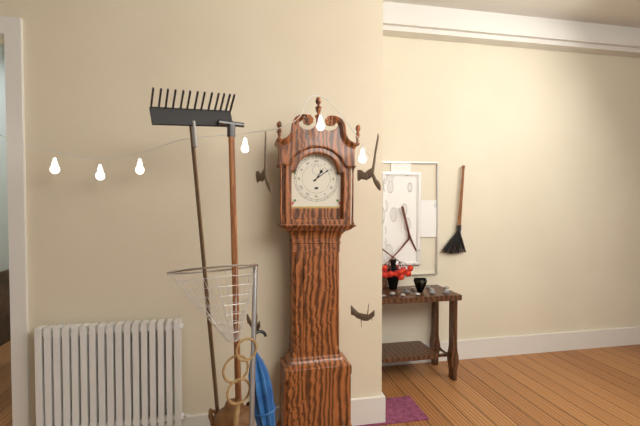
1.09
